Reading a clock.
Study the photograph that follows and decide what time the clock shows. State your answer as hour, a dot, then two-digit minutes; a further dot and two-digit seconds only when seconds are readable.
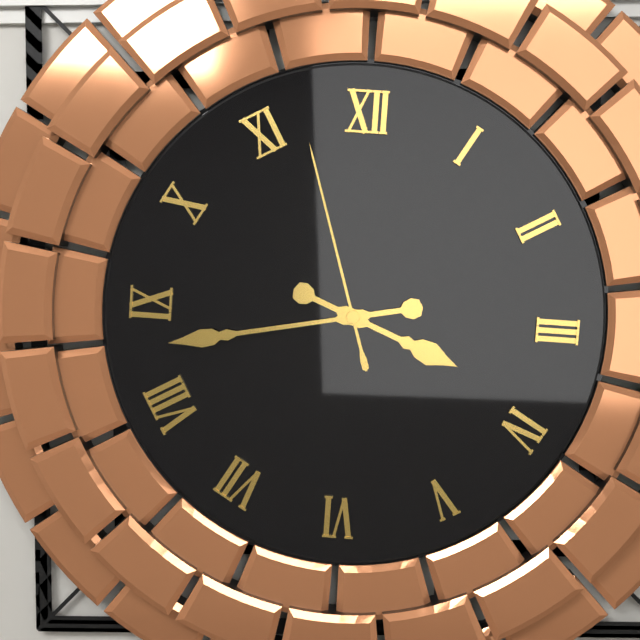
3.43.57
